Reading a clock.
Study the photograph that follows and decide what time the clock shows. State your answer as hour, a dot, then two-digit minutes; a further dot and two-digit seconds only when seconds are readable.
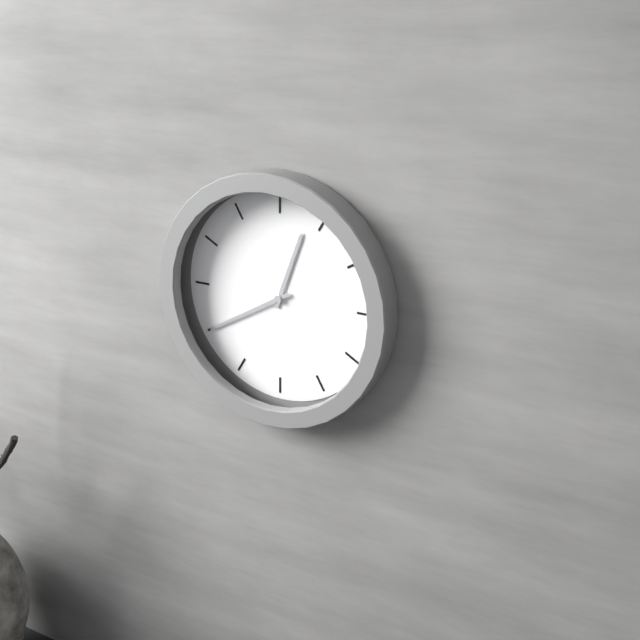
12.40
